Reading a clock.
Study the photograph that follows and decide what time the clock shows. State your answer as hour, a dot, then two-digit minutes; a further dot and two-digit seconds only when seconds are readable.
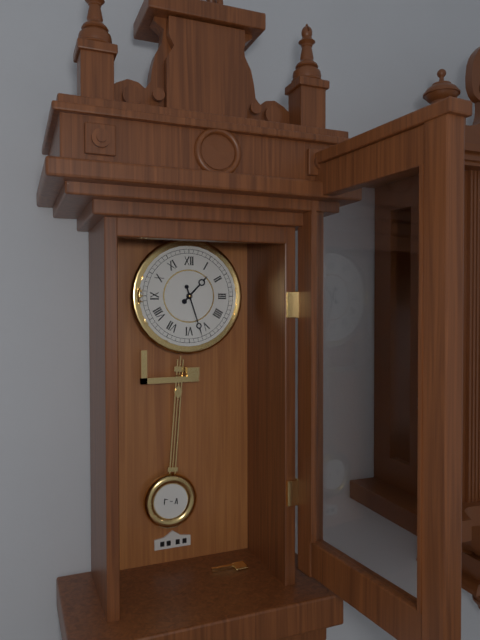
1.27
